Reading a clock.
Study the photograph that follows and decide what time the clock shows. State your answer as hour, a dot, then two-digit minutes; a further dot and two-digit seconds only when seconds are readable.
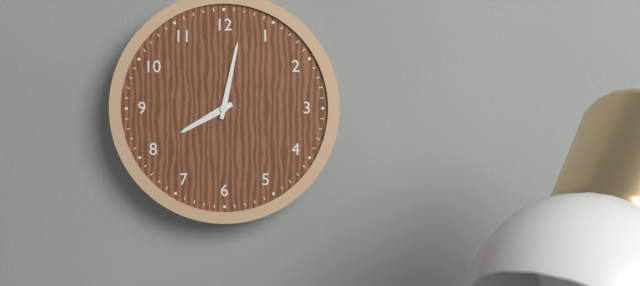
8.02
